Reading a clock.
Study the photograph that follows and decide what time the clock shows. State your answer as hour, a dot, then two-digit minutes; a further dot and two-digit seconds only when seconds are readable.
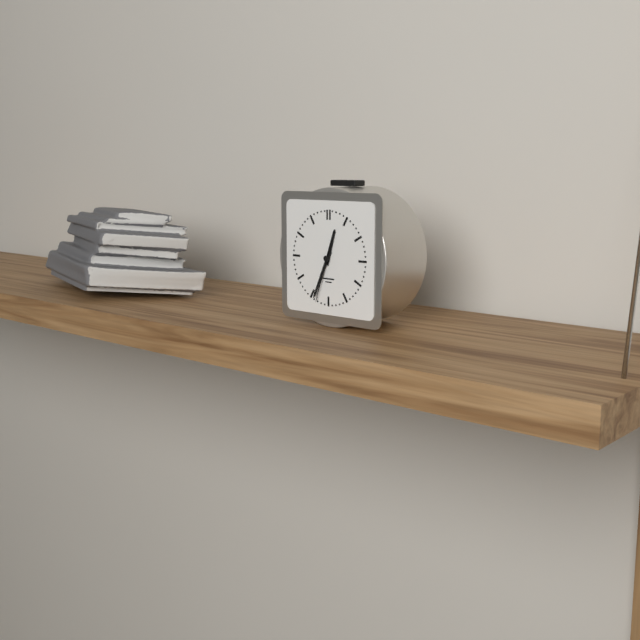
12.34.33
